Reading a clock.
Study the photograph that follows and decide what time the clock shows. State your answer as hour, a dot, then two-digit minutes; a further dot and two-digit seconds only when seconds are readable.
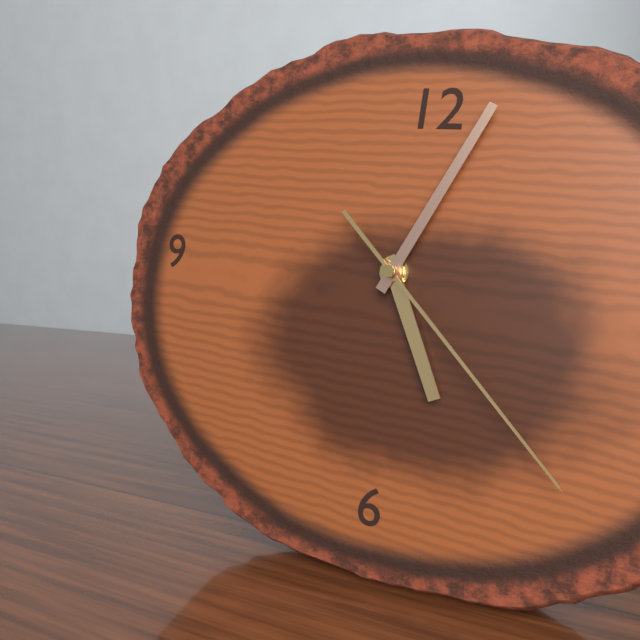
5.04.22
